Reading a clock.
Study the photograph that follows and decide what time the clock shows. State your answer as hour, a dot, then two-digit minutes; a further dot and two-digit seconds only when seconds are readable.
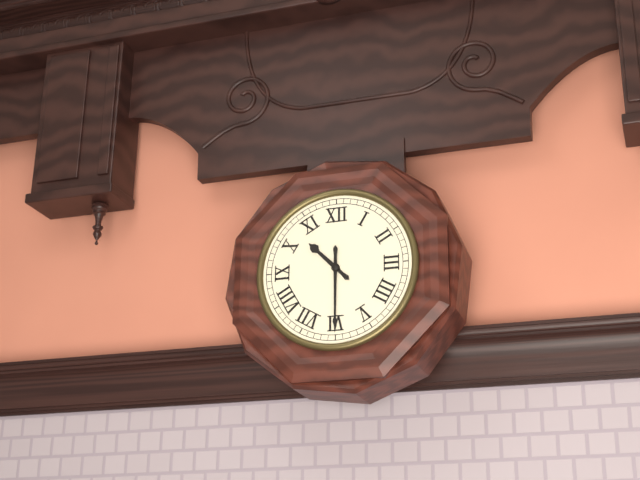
10.30
